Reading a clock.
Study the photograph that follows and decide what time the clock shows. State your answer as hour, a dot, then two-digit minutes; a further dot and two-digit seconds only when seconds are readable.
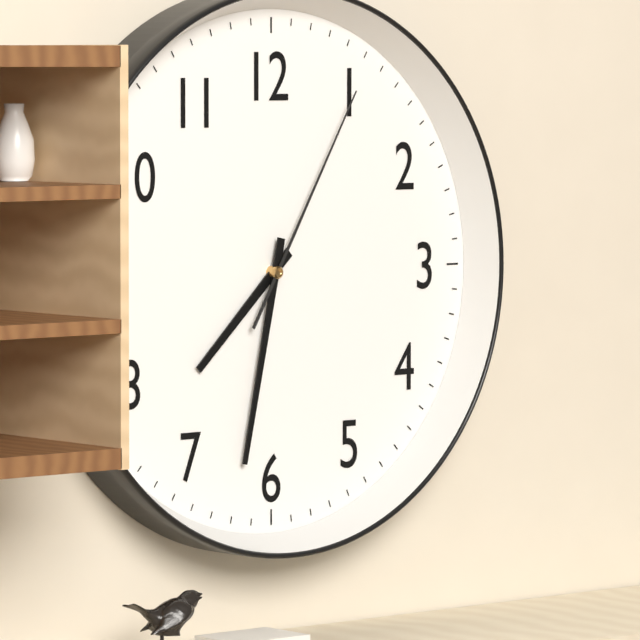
7.32.05
